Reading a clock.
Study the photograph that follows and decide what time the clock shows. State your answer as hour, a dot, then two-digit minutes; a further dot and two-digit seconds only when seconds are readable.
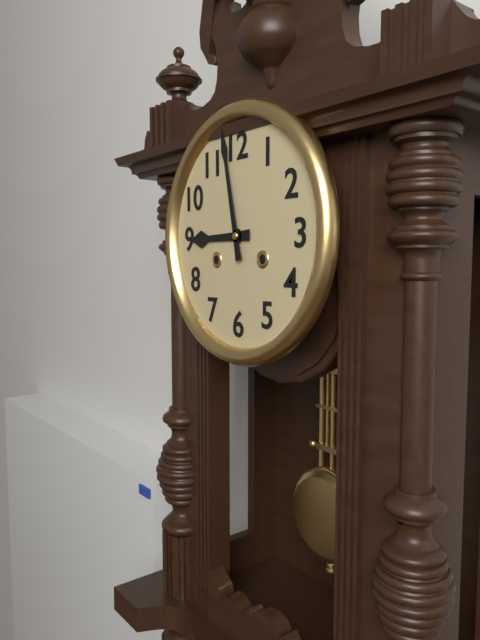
8.58
